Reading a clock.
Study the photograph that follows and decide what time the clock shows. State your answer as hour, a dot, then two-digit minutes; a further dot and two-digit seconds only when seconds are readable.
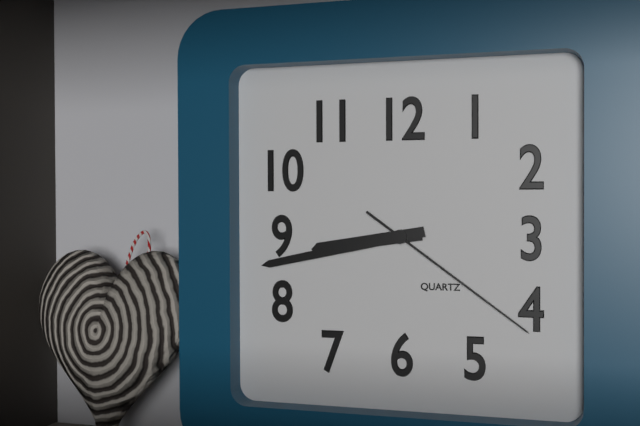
8.43.21
